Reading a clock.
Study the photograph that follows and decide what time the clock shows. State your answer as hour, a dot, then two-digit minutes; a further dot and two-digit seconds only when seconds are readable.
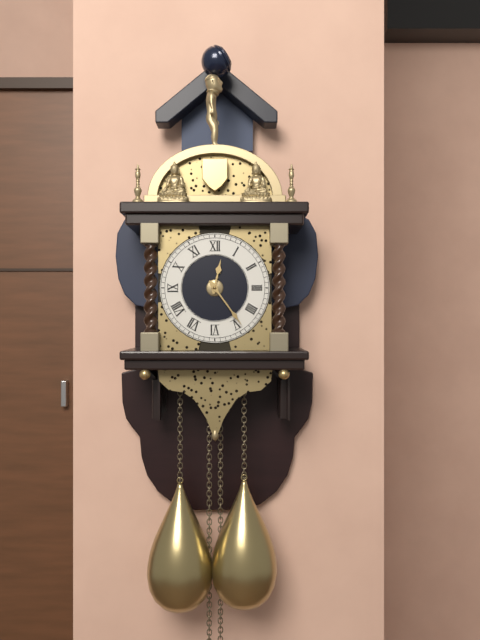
12.24
